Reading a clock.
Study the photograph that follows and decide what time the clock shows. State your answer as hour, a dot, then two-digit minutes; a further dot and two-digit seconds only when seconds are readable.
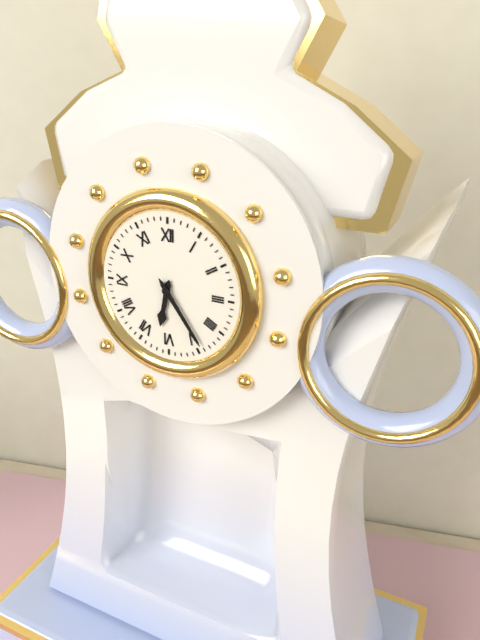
6.24
